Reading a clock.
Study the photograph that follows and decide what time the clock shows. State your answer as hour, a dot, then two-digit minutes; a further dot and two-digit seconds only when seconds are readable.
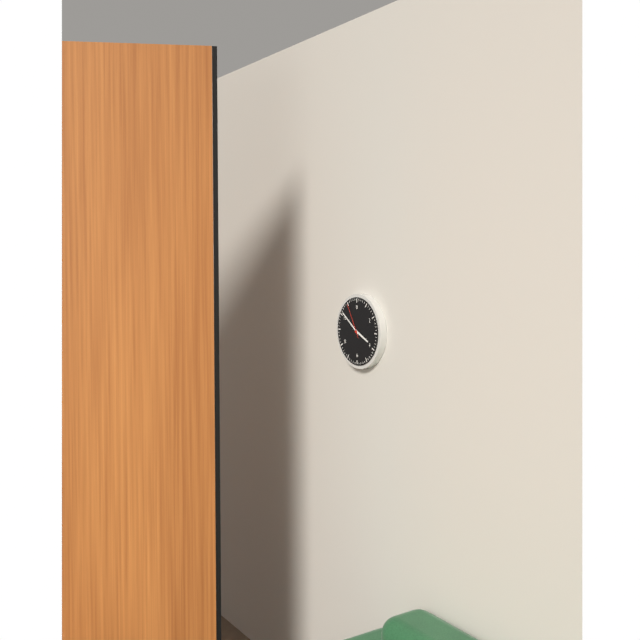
3.51
